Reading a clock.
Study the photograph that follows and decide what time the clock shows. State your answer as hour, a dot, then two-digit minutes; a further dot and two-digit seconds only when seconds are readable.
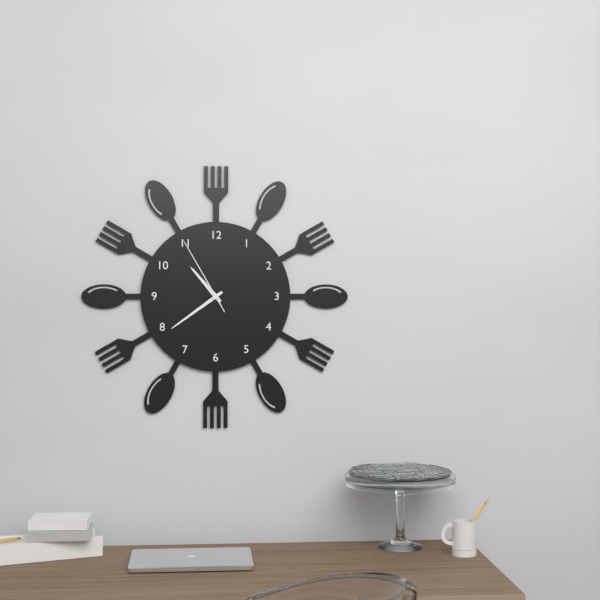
10.39.55
